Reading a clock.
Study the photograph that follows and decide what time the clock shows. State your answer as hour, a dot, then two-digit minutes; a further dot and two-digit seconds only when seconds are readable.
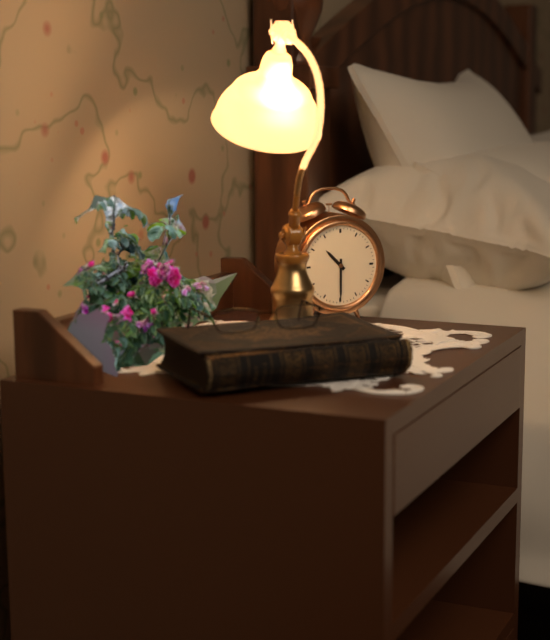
10.30
